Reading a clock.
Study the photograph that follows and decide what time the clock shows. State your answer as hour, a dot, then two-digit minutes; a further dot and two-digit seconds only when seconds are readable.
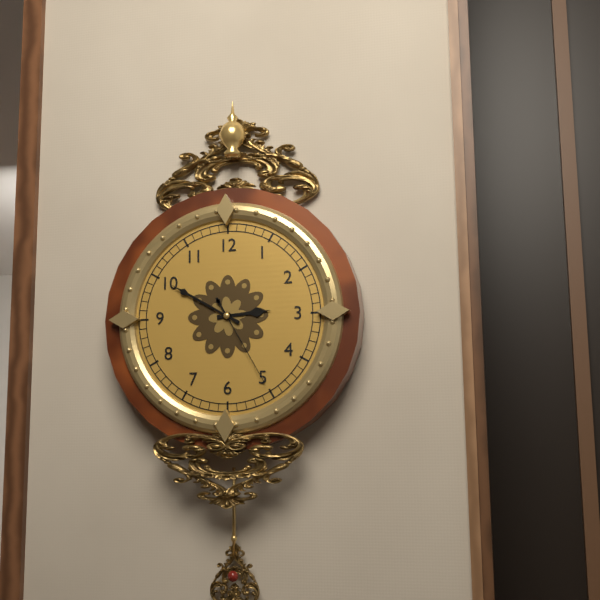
2.50.25
